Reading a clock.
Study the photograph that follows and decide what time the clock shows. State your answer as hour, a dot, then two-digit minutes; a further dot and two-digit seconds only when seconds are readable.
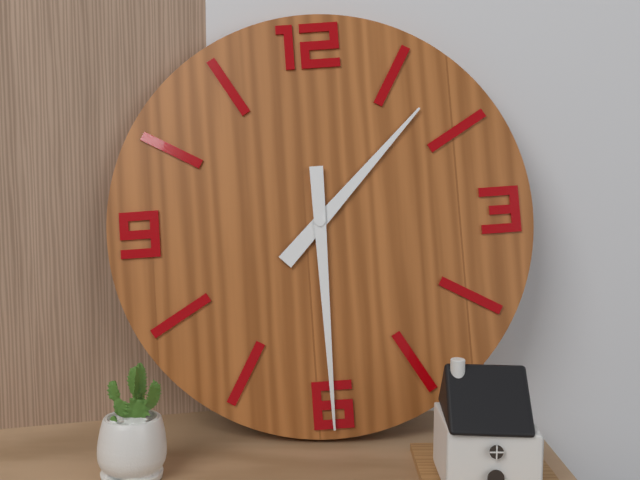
1.30
